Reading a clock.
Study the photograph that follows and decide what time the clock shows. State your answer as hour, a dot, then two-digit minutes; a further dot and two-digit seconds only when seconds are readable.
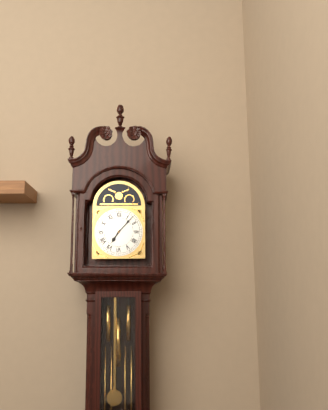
7.07
